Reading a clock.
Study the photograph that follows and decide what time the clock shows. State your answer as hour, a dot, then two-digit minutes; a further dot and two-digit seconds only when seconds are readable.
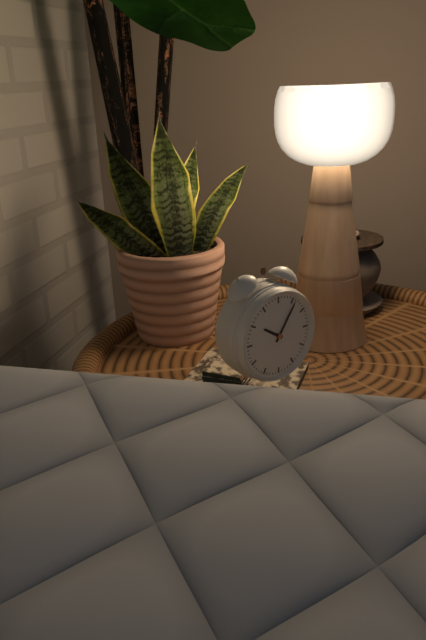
10.06
